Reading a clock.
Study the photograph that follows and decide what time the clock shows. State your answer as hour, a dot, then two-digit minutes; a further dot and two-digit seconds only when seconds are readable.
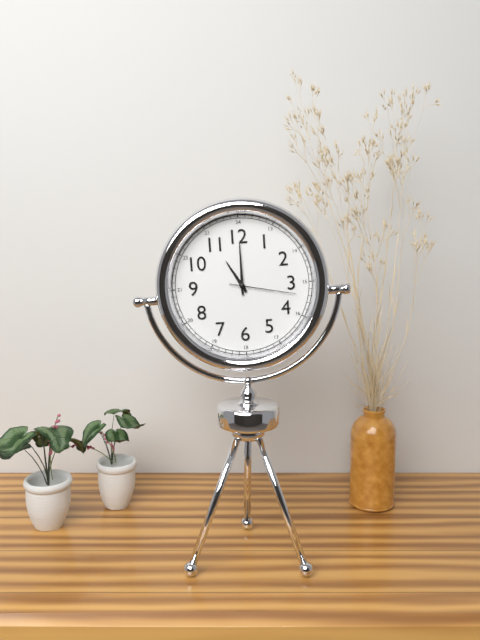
11.00.17
